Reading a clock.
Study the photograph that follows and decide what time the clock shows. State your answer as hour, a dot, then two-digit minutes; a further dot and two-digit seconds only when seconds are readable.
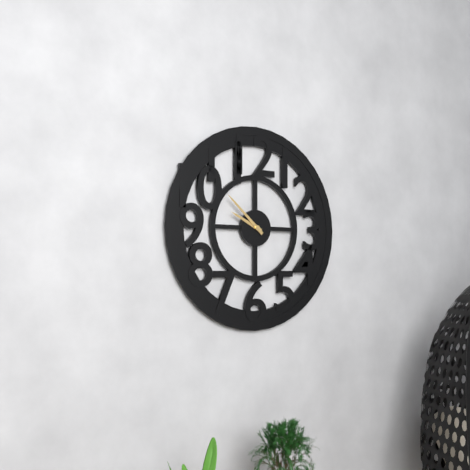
9.52
